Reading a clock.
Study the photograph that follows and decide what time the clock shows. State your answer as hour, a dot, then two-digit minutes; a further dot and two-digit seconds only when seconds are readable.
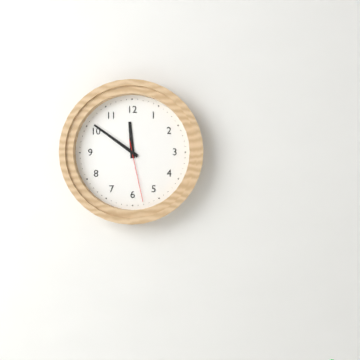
11.51.28
